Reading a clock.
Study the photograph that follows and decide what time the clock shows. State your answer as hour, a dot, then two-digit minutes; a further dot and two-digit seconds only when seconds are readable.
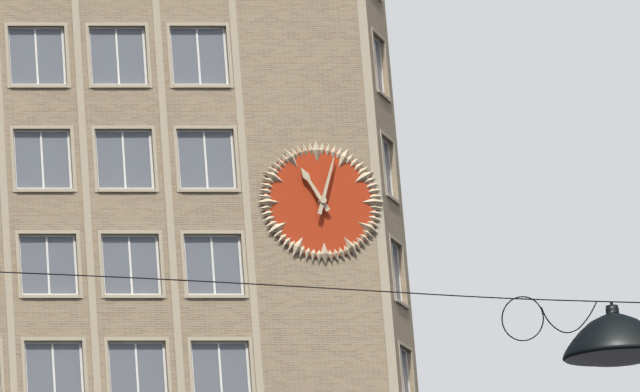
11.03
